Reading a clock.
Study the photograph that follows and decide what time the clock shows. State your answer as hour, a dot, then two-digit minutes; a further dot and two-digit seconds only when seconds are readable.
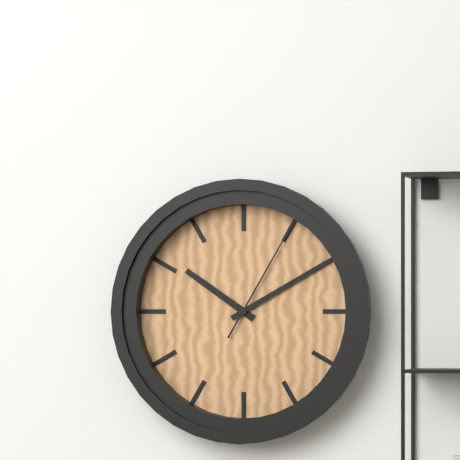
10.10.05
